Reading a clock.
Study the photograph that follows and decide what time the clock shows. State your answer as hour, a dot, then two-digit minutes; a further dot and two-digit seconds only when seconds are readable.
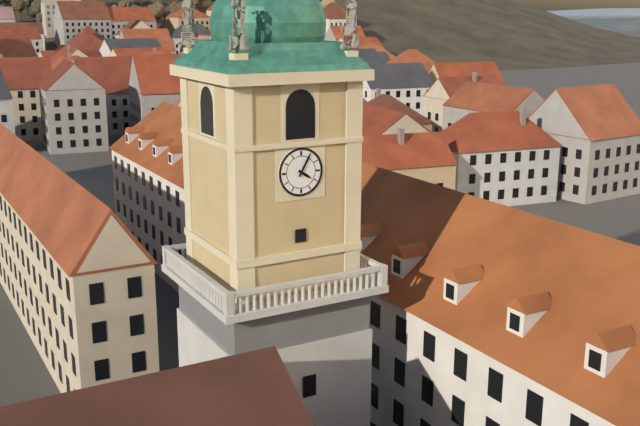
4.05
